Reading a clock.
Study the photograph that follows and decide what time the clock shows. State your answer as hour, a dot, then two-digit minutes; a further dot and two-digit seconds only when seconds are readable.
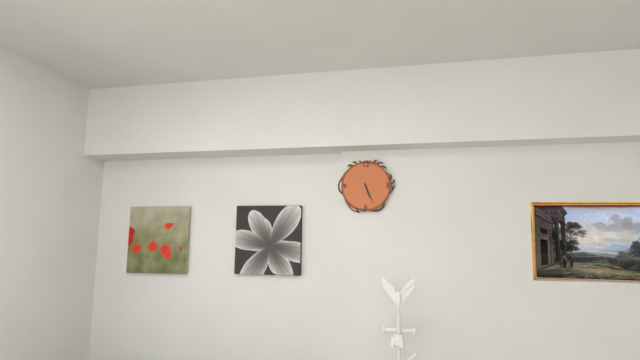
5.26
